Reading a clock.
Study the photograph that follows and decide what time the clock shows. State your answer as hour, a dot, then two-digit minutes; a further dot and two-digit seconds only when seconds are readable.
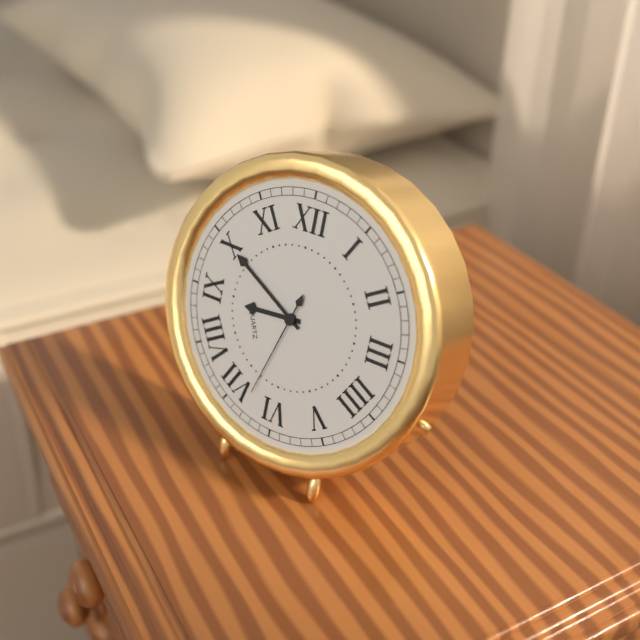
8.50.33
